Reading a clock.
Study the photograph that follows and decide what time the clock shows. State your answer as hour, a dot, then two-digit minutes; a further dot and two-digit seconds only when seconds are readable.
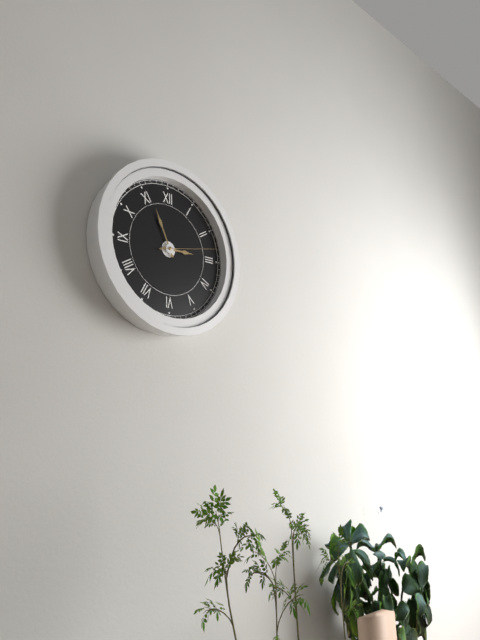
2.56.13
